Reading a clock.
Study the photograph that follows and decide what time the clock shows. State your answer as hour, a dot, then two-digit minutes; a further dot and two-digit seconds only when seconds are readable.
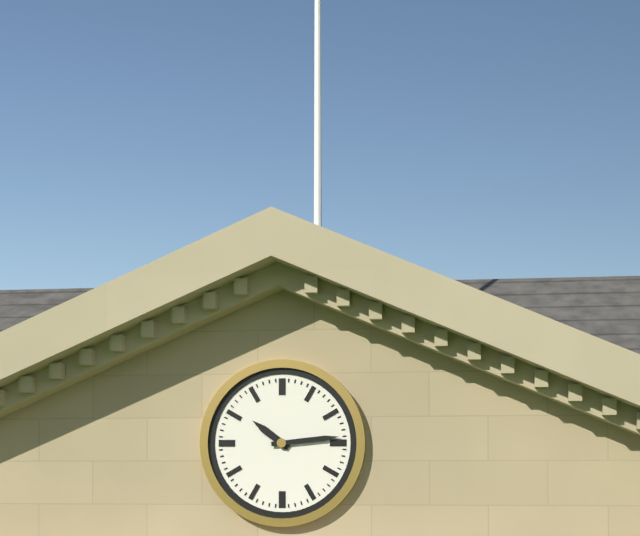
10.14
